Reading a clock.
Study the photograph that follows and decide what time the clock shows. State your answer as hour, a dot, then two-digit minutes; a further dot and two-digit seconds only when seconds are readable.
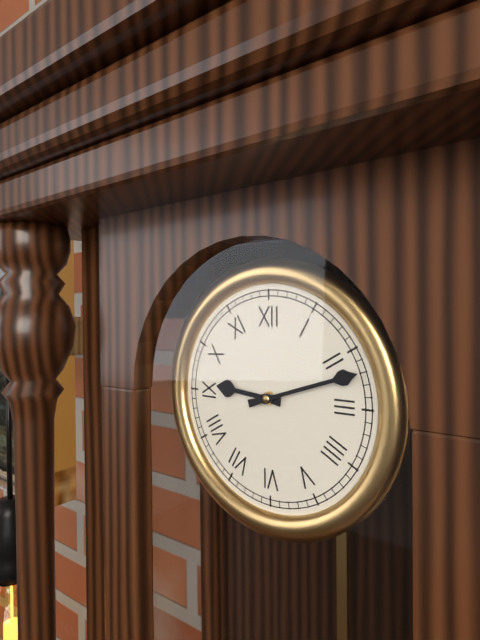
9.12
